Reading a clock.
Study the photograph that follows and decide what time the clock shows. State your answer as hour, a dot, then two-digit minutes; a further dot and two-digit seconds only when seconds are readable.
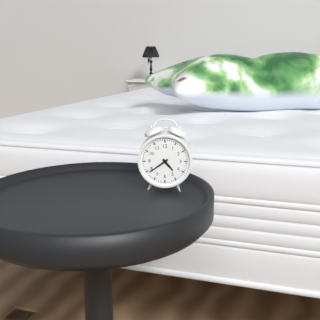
4.39
